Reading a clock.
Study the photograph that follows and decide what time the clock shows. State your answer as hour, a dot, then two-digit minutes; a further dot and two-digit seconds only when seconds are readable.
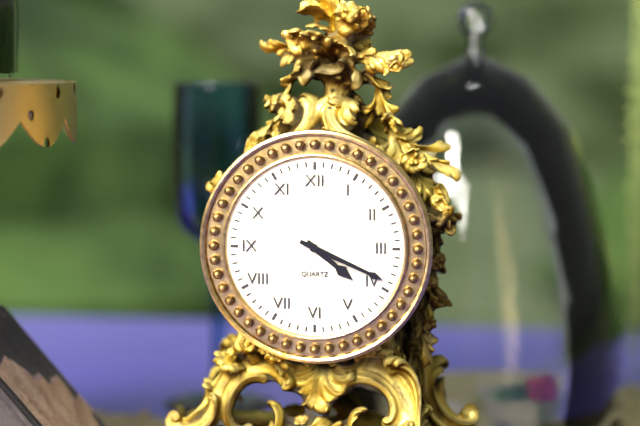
4.19
